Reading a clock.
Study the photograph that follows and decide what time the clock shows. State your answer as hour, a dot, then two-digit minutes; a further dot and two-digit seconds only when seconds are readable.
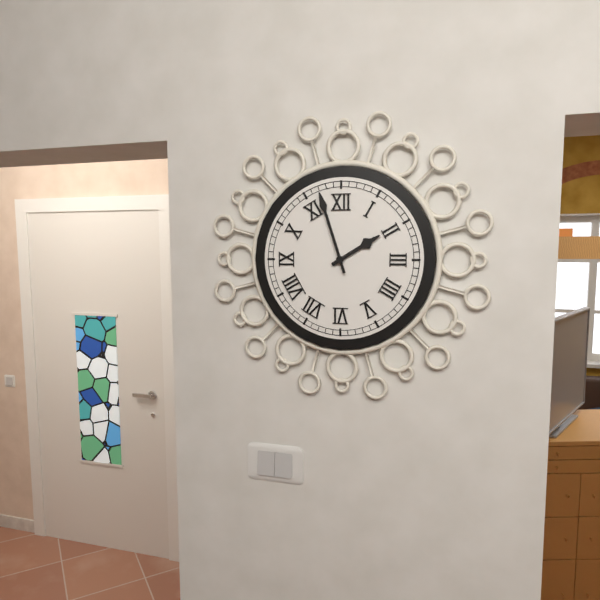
1.57
